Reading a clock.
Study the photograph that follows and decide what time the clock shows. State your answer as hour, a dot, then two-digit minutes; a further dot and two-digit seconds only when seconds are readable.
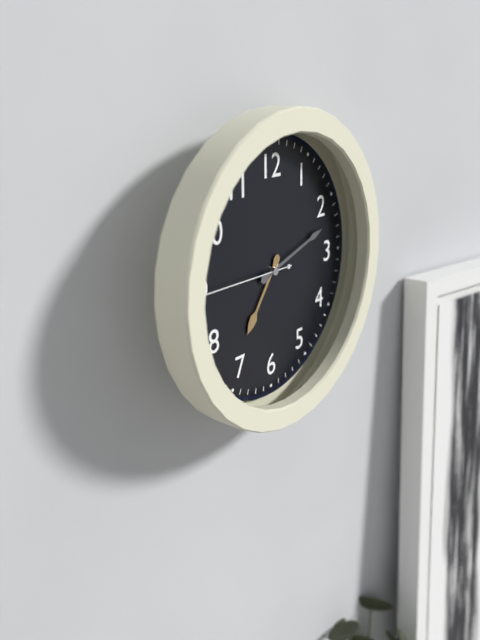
7.12.45
